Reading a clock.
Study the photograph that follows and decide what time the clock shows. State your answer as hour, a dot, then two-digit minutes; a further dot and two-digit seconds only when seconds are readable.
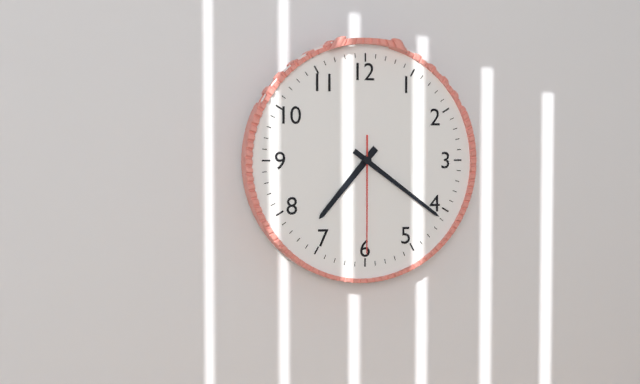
7.21.30
